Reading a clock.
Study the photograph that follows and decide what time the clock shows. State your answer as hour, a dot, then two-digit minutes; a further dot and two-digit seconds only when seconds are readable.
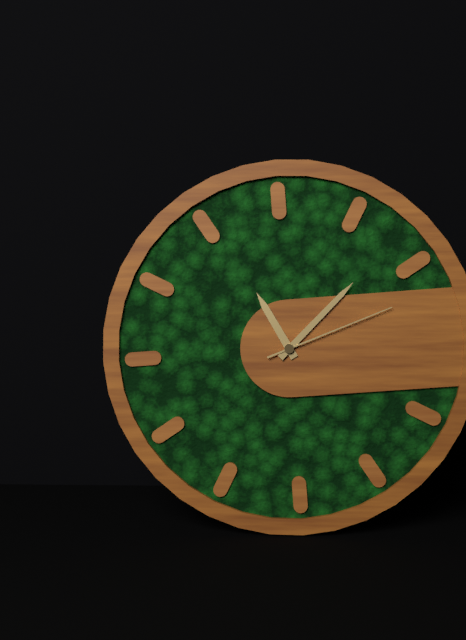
11.08.12
